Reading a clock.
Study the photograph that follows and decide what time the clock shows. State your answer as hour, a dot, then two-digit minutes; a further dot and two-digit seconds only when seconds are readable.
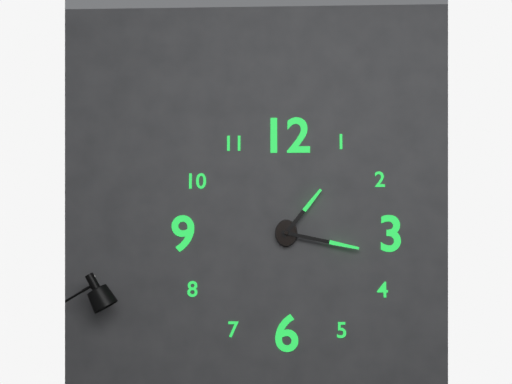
1.17
